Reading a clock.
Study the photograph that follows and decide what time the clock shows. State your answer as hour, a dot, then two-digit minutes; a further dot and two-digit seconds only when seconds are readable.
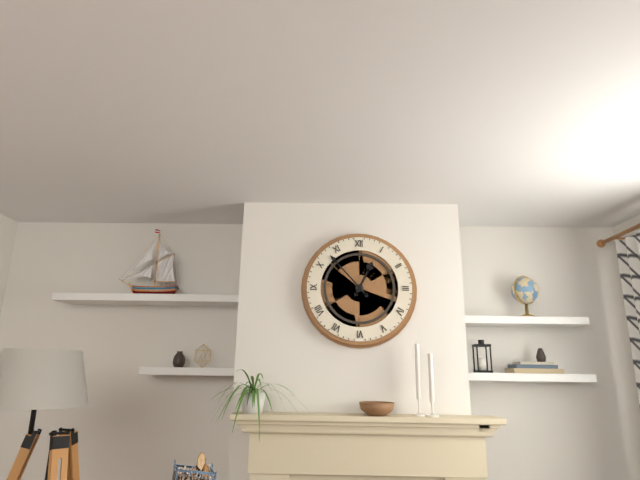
12.53
